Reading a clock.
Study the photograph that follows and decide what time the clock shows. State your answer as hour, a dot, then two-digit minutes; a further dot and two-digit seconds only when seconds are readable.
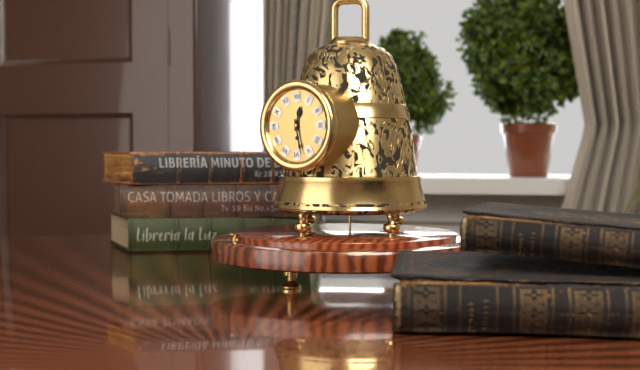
12.28
